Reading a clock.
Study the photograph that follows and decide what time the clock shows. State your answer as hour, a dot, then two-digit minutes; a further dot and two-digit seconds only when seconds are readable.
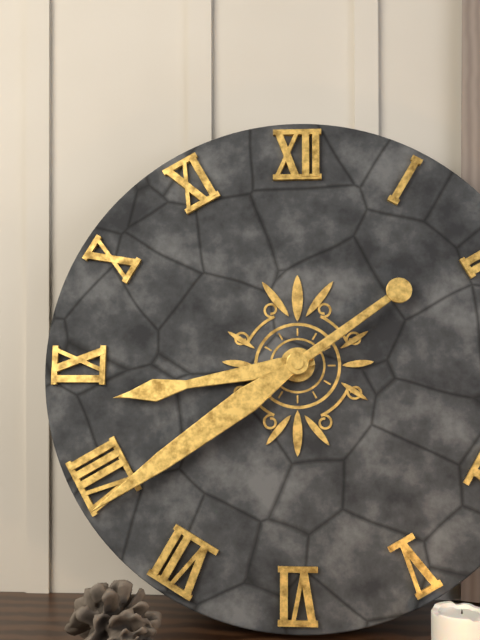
8.39
